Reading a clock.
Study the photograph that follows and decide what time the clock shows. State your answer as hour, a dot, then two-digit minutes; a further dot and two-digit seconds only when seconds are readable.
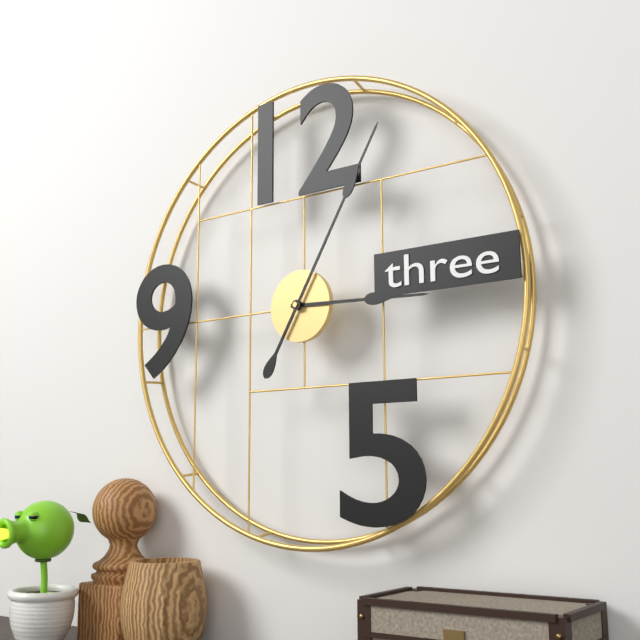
3.05
